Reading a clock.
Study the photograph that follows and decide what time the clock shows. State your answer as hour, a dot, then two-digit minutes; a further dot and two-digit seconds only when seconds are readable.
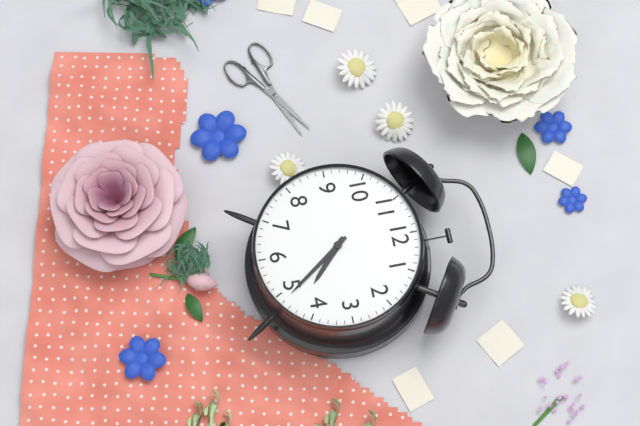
4.24
